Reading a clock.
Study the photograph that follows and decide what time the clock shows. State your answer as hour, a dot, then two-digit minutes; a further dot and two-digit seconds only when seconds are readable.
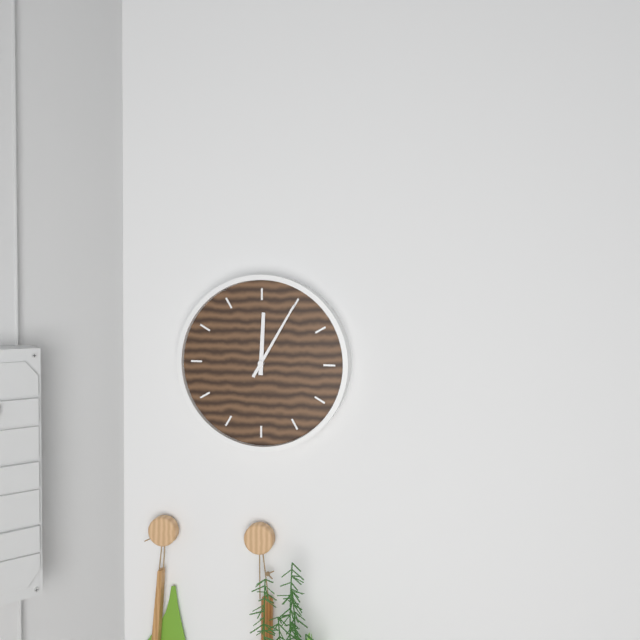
12.05
